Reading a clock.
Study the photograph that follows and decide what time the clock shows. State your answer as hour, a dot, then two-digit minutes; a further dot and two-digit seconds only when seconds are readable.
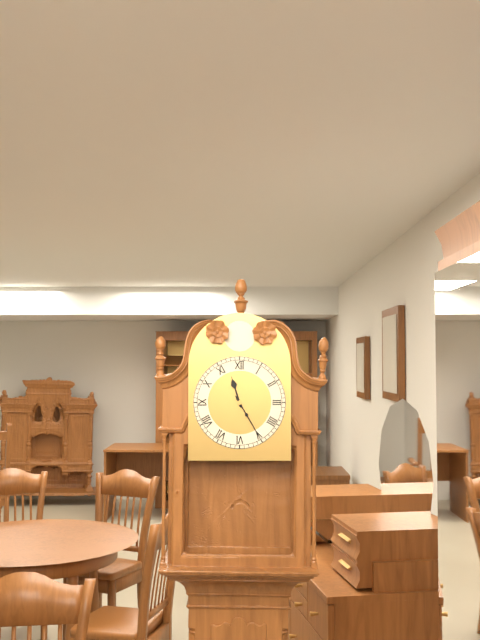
11.25
